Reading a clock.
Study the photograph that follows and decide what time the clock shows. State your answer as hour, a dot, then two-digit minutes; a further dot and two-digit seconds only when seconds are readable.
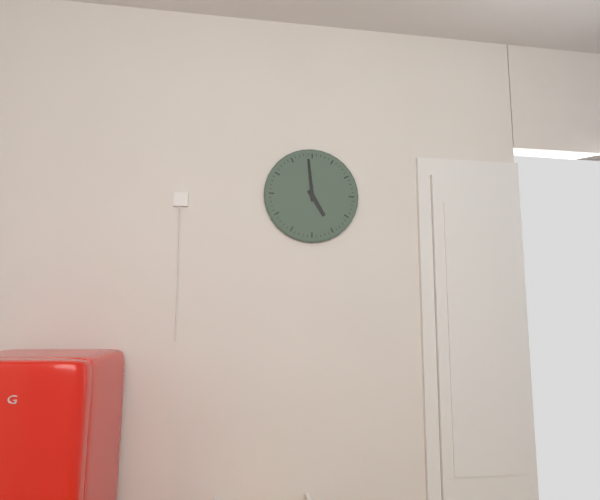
4.59
